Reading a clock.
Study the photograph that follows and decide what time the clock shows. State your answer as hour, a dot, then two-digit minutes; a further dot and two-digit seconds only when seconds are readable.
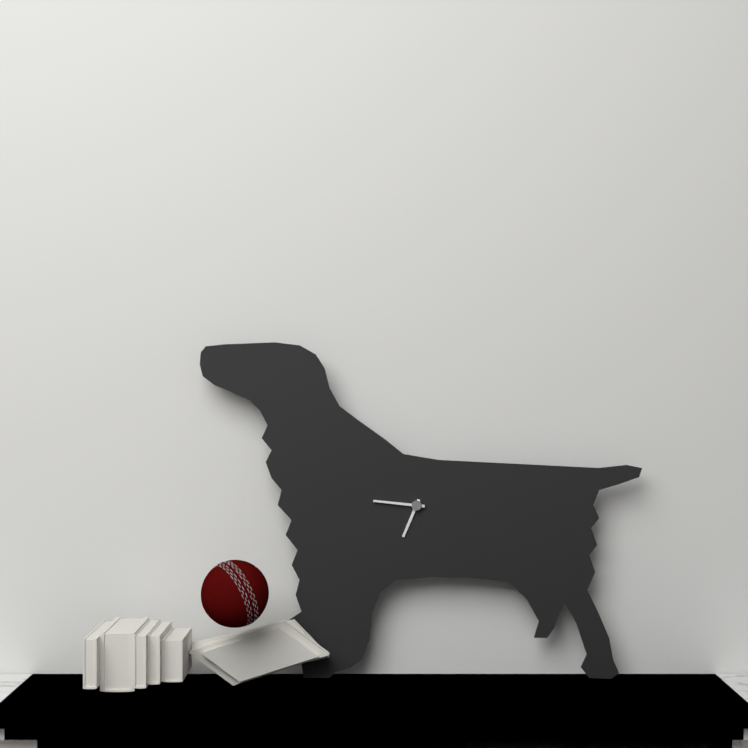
6.46
